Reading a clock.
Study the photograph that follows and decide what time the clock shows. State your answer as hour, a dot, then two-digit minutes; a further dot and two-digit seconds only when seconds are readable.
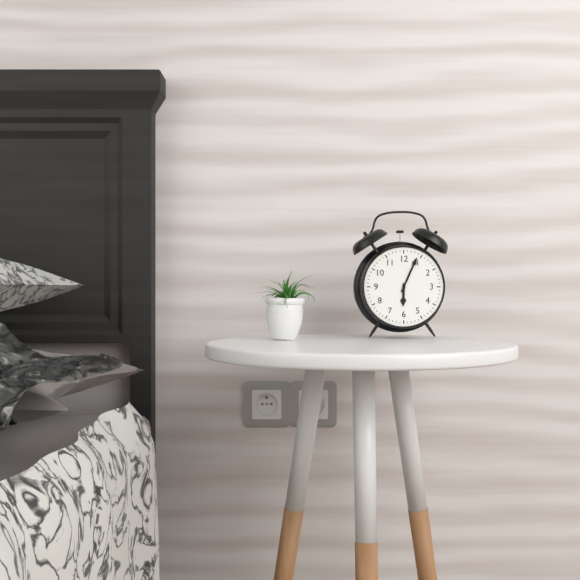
6.04
